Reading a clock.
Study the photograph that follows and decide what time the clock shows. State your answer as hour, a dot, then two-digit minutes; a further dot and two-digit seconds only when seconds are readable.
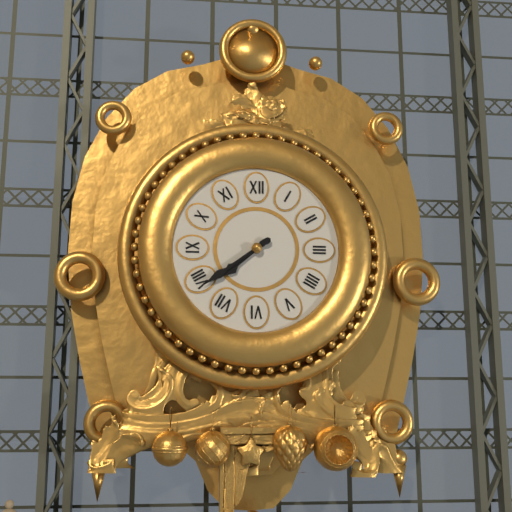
7.39
